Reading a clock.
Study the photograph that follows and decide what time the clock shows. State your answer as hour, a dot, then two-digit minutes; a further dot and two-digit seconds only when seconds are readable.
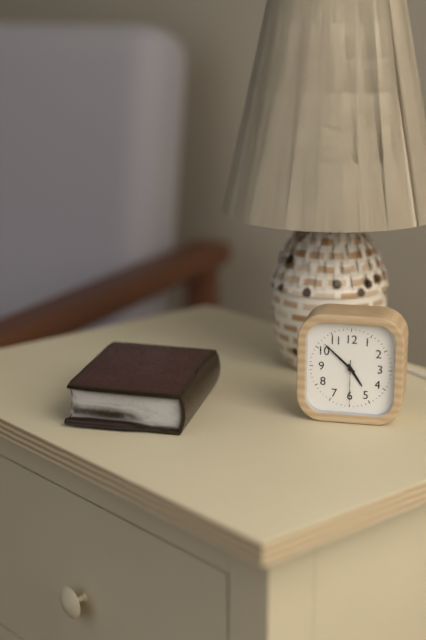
4.52
